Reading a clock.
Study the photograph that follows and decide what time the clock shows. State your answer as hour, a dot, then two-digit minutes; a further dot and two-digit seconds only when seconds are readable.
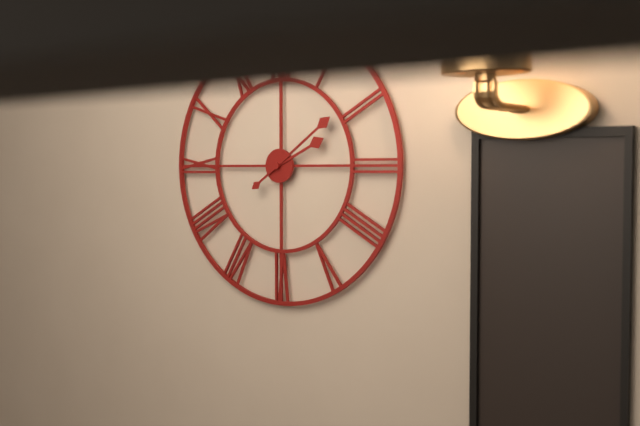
2.09
